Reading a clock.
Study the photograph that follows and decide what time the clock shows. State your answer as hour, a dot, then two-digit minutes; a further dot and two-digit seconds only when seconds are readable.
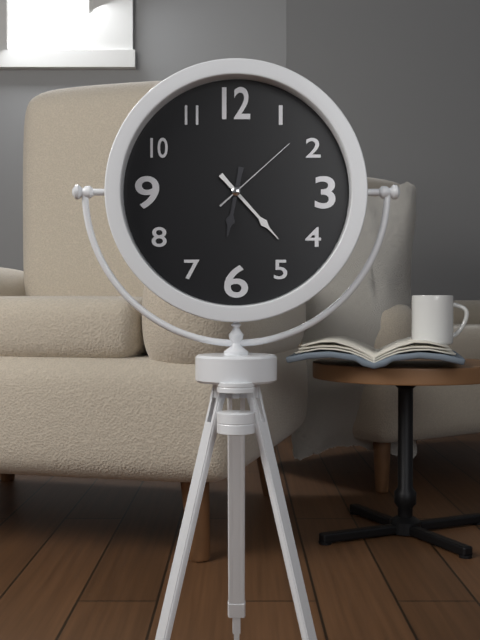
6.23.08
